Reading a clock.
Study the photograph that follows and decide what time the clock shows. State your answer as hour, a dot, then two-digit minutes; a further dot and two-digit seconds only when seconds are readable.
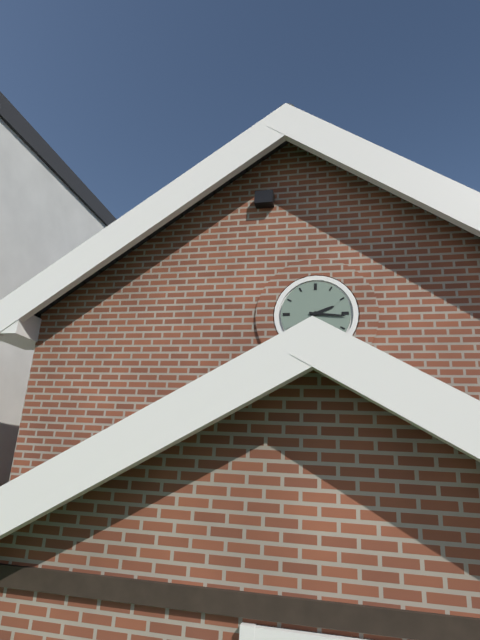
2.16
